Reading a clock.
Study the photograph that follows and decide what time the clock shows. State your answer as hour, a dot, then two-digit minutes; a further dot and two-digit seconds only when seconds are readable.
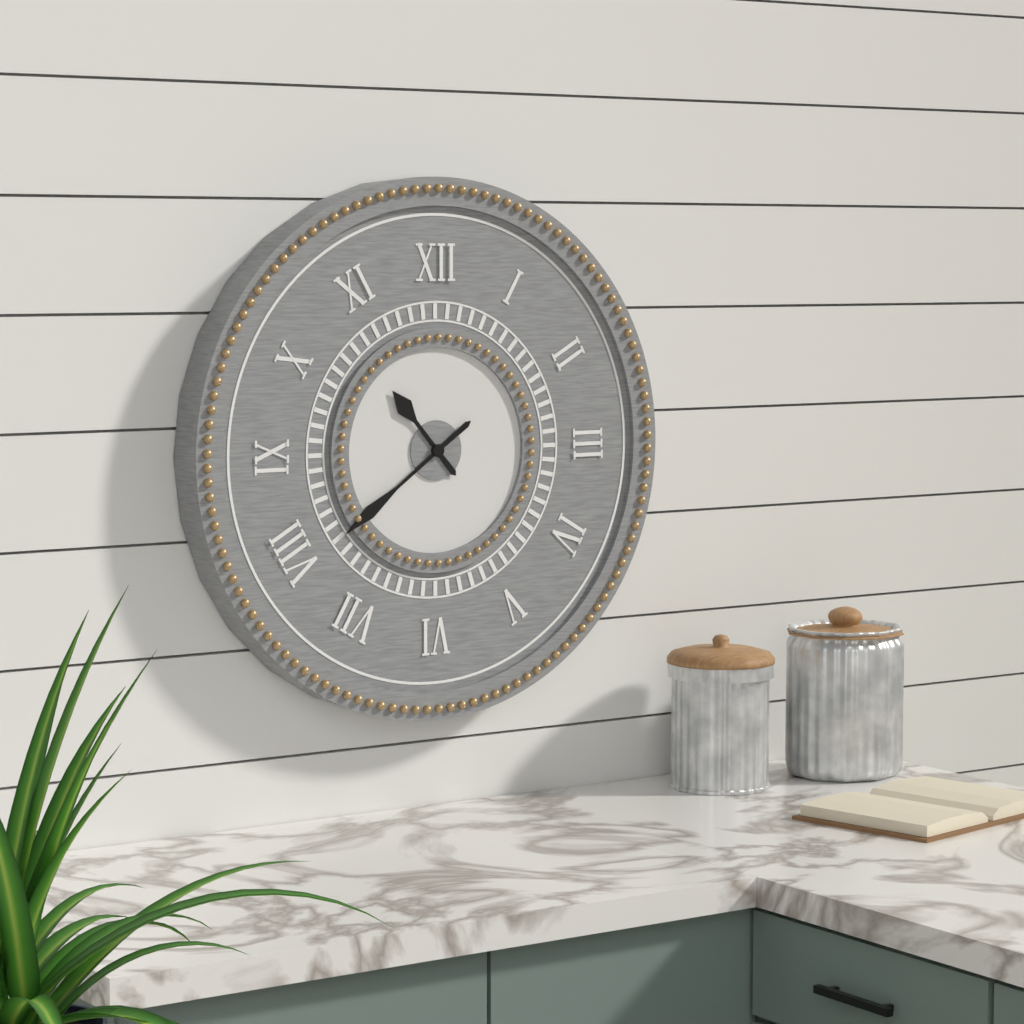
10.39
